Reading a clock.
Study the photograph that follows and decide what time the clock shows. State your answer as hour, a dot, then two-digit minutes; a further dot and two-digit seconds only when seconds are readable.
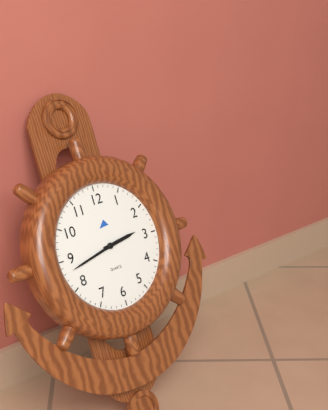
2.43
